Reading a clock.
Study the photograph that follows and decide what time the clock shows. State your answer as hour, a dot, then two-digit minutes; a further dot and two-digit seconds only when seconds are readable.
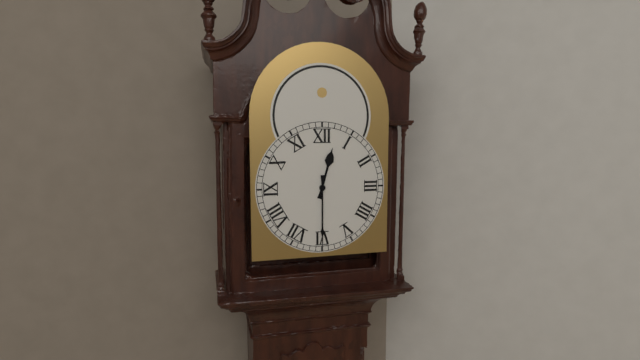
12.30
